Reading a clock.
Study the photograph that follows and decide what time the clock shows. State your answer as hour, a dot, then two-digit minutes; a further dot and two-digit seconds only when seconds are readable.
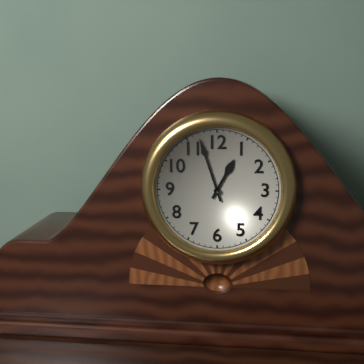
12.57
